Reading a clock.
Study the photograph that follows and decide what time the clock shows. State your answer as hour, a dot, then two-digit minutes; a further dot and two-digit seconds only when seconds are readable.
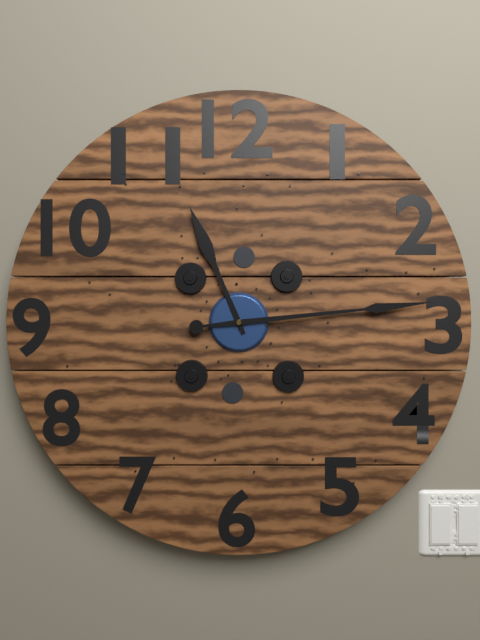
11.14
